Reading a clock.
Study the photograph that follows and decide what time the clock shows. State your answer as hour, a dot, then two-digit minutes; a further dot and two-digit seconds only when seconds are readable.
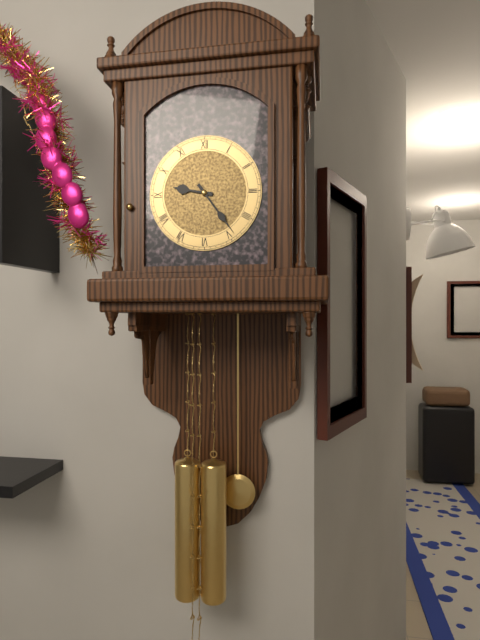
9.24
